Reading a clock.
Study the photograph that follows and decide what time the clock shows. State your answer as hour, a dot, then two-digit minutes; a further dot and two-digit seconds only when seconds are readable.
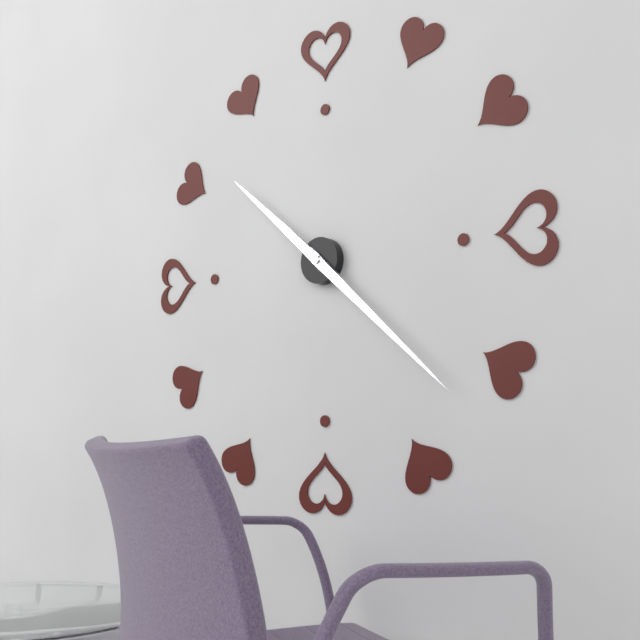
10.22
